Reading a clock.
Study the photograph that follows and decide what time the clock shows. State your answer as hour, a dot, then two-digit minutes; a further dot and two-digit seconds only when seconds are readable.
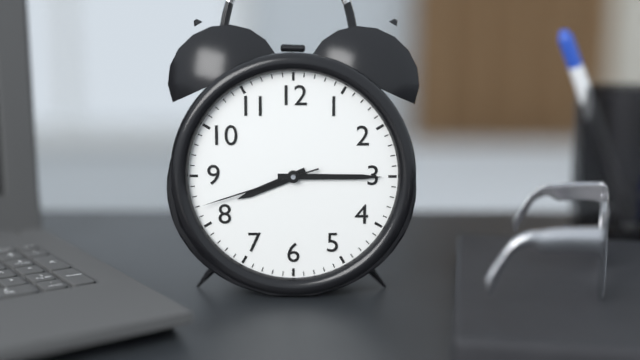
8.15.42
